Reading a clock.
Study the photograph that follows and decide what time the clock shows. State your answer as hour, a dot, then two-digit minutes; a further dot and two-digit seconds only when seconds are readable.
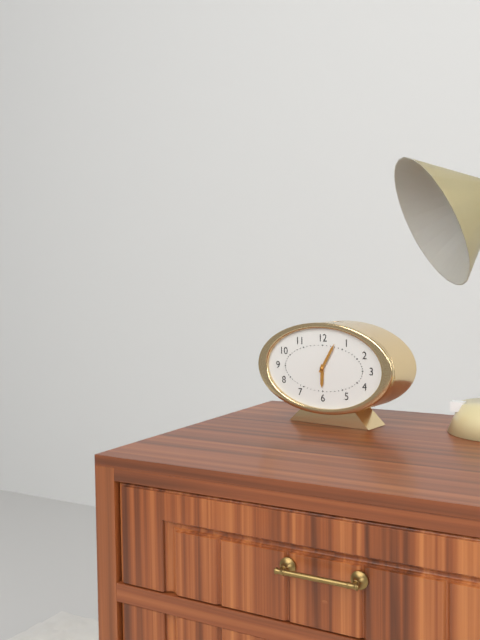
6.05
